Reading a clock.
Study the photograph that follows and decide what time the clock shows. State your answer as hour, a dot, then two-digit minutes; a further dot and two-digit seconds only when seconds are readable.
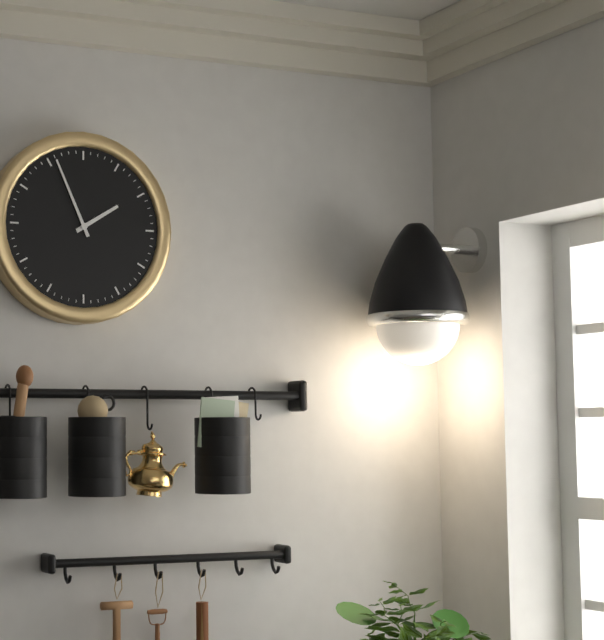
1.56
